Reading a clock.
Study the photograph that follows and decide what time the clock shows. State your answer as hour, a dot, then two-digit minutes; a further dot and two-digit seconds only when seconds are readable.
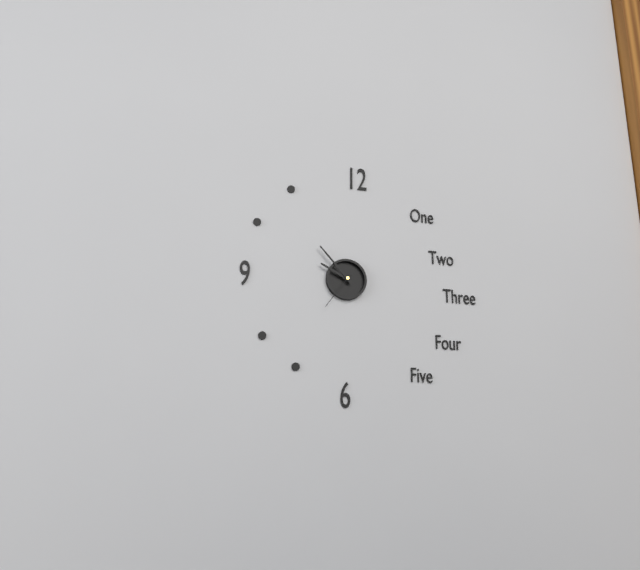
9.53
